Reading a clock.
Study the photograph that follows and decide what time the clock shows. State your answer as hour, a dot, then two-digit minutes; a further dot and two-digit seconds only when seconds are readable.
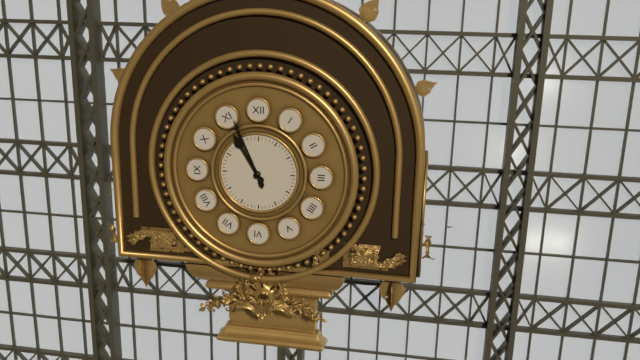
10.56
